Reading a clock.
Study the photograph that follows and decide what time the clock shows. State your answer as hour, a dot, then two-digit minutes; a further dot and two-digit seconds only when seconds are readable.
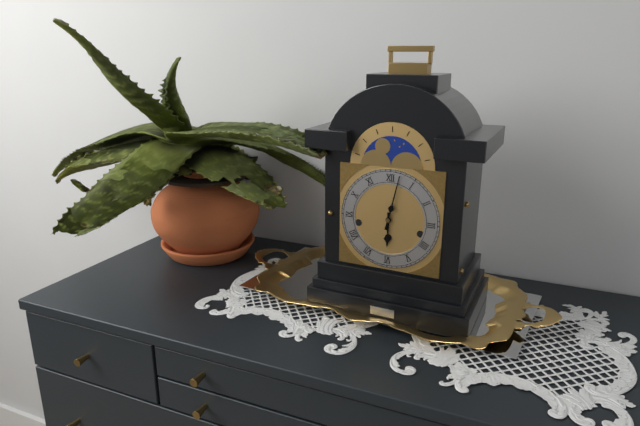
6.02
